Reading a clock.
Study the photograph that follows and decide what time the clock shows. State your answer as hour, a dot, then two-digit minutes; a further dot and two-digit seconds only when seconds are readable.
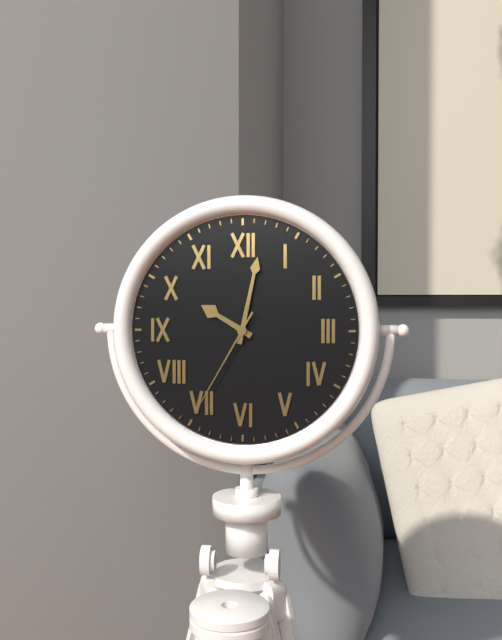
10.02.35
